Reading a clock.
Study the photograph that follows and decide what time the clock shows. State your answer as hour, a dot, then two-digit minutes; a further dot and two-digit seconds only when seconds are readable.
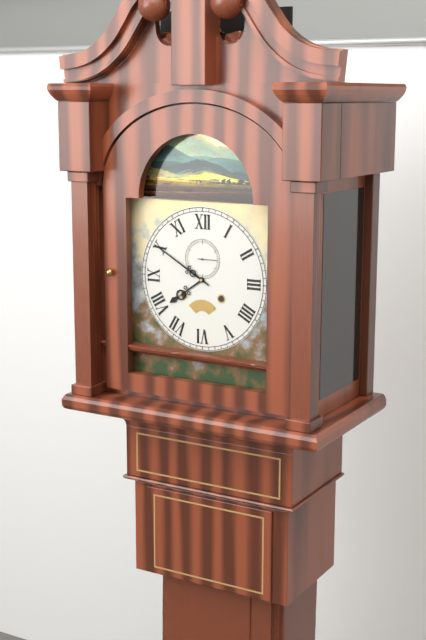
7.50
